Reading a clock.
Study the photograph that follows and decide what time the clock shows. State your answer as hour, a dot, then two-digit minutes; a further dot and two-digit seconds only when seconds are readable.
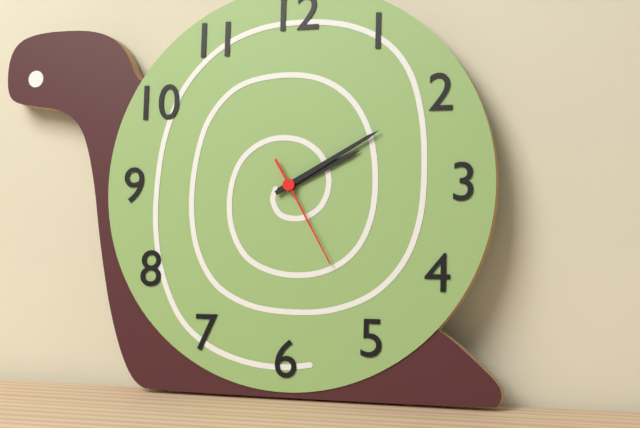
2.10.25
